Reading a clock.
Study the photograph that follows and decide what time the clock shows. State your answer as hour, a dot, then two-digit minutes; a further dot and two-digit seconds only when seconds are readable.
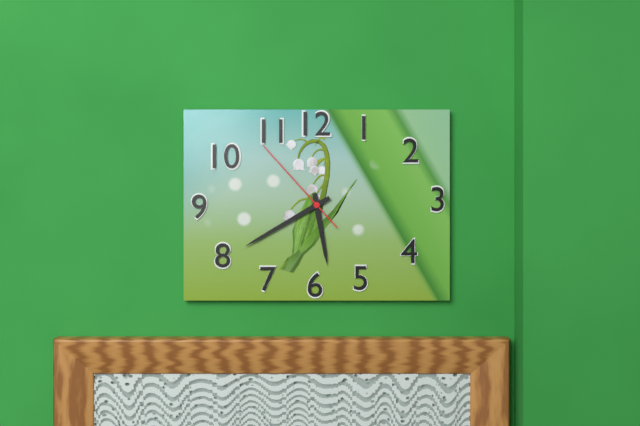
5.40.53
